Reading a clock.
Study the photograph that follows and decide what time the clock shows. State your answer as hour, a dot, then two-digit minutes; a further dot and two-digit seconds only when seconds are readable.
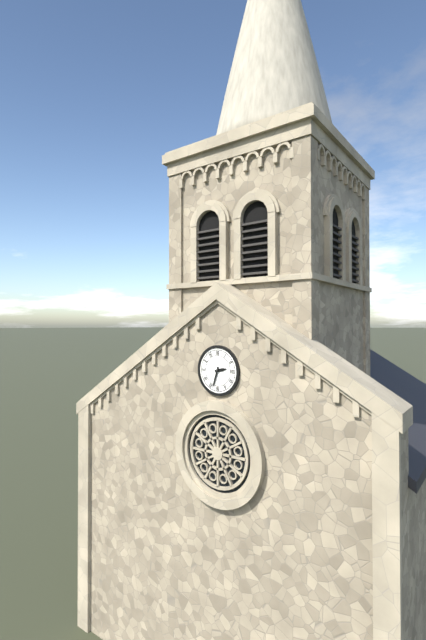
2.33
